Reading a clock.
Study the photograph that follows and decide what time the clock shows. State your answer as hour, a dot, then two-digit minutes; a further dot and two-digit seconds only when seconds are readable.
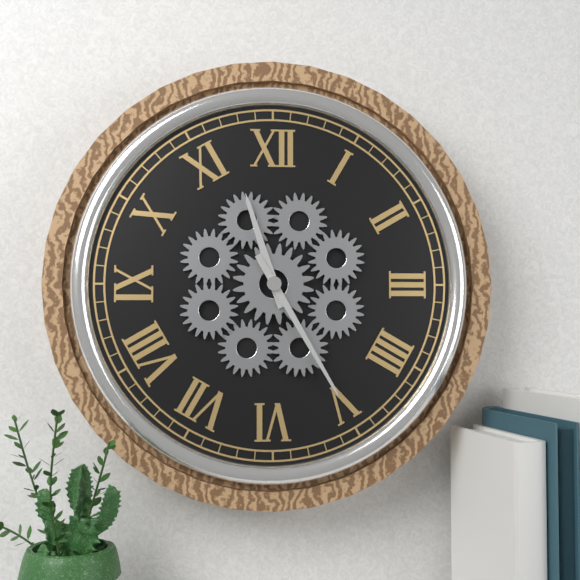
11.25
